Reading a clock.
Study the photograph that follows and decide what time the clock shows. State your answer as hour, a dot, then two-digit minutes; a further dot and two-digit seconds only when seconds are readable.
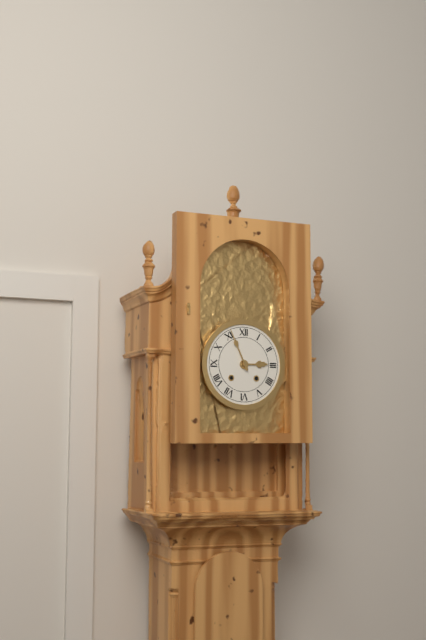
2.56
